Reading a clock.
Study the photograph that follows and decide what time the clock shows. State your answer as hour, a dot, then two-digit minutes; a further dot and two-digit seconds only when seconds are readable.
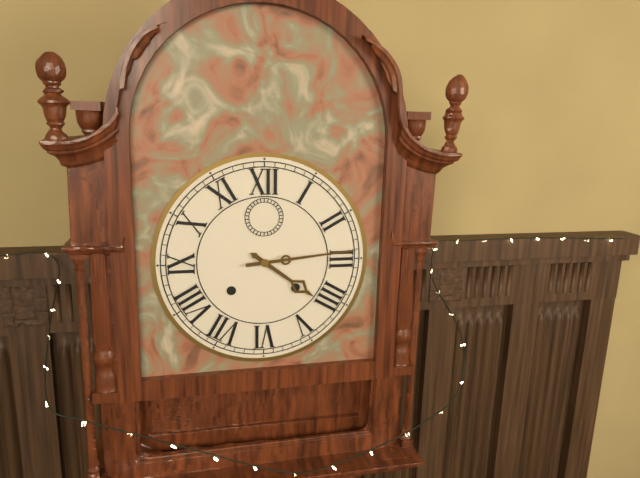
4.14
